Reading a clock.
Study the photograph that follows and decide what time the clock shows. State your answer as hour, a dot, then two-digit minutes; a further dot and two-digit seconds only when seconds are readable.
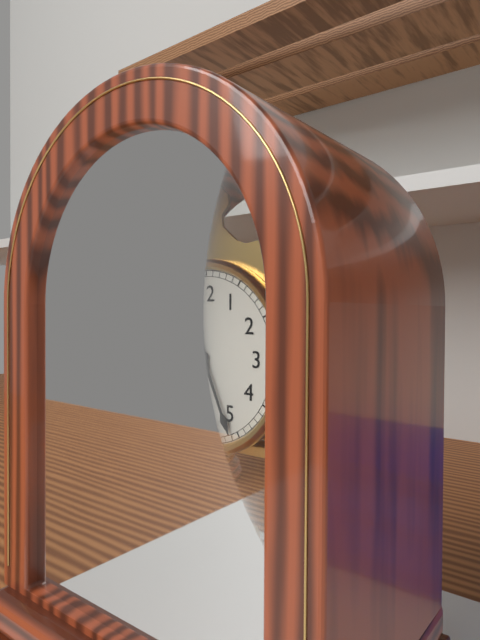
11.26
